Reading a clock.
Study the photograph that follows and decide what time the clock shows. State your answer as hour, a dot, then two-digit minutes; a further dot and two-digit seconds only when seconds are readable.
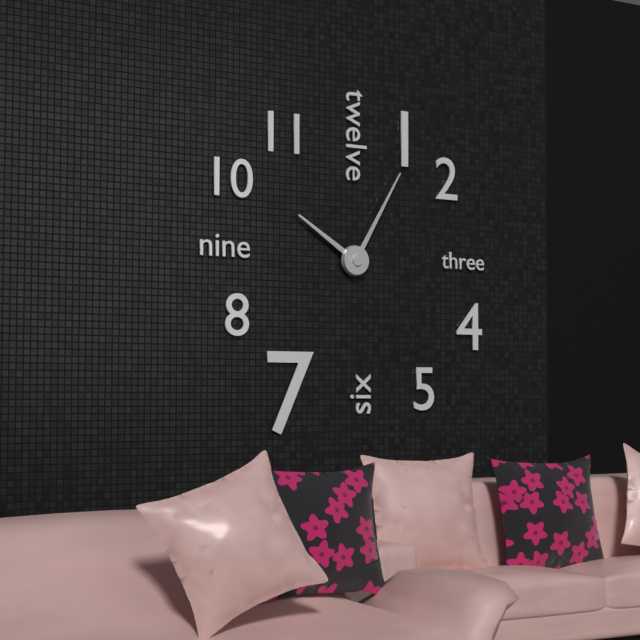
10.05
